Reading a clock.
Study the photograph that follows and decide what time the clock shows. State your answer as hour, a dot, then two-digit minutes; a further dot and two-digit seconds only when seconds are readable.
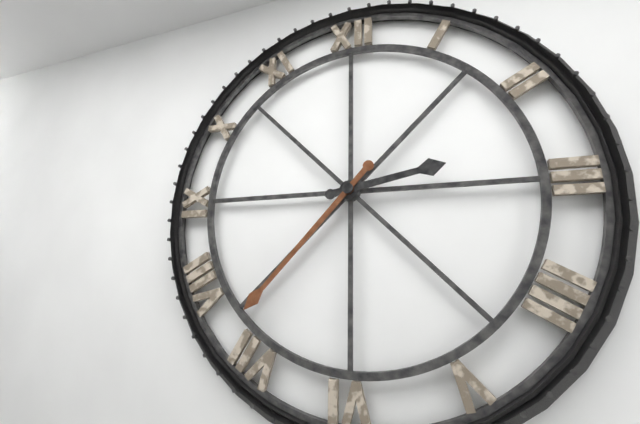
2.37
